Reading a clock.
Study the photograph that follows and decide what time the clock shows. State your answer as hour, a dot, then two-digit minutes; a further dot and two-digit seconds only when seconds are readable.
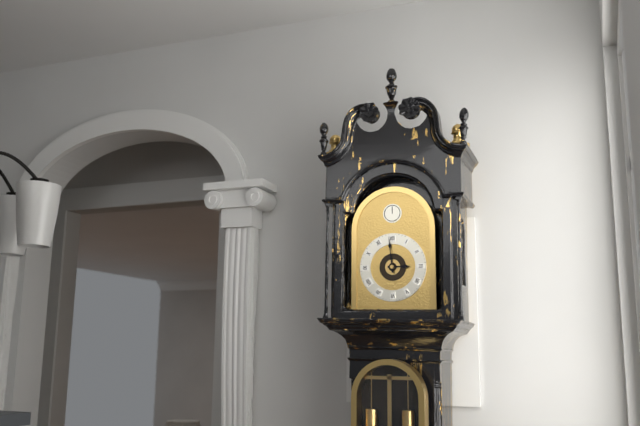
2.59
